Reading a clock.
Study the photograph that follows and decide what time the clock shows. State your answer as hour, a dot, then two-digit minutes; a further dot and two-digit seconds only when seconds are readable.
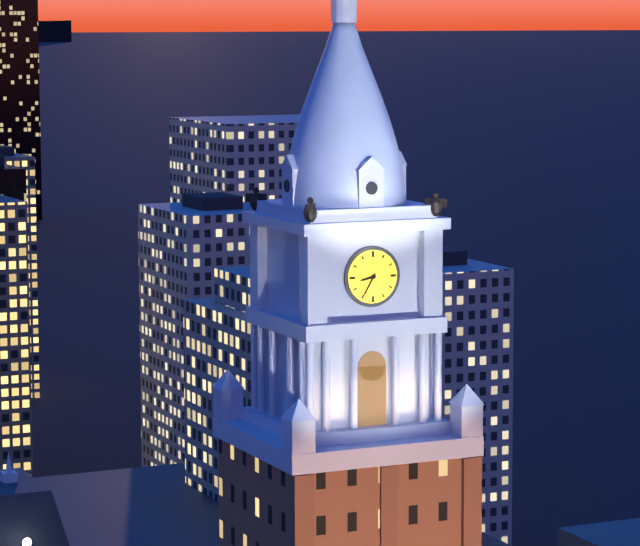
8.35
